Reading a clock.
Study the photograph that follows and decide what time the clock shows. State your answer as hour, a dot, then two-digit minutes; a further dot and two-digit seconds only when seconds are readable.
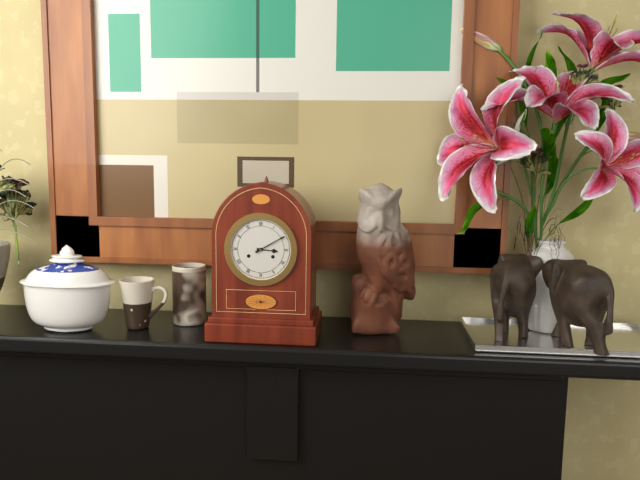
3.10
